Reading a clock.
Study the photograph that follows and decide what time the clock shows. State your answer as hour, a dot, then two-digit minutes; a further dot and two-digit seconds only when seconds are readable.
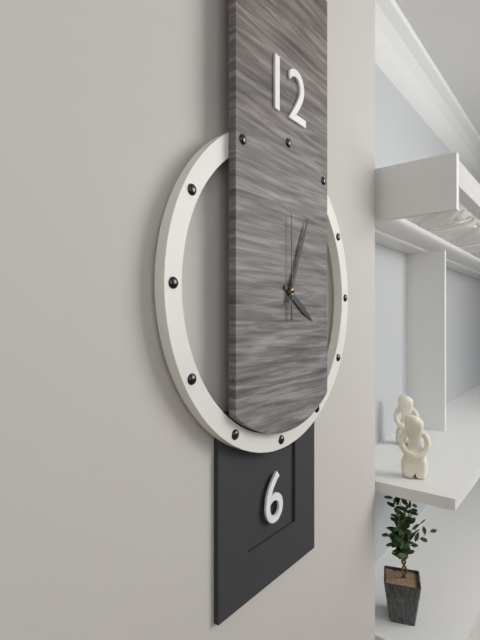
4.04.00
